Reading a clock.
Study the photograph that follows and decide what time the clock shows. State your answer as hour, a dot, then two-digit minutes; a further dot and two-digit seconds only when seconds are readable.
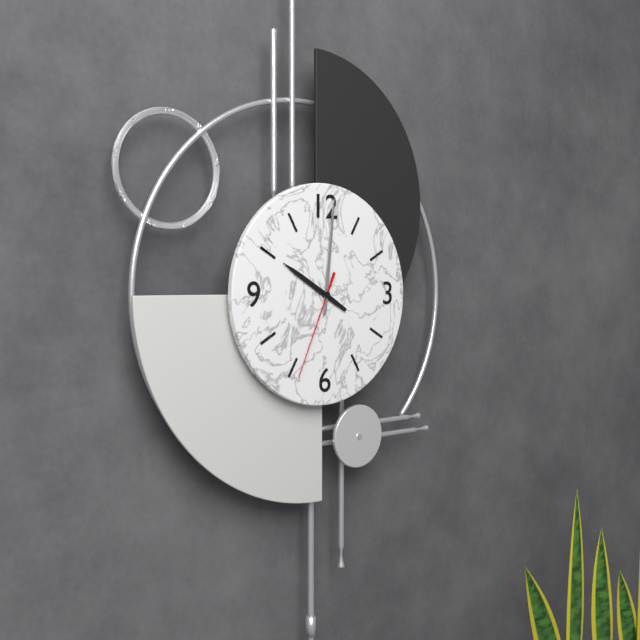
10.01.34
